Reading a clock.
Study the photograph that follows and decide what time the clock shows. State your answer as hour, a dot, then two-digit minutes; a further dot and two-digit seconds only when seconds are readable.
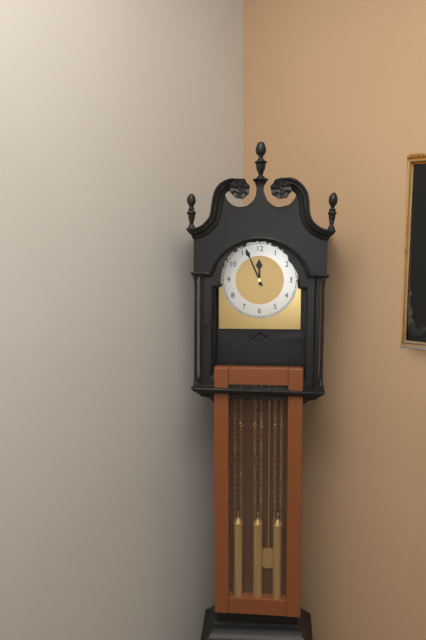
11.56
